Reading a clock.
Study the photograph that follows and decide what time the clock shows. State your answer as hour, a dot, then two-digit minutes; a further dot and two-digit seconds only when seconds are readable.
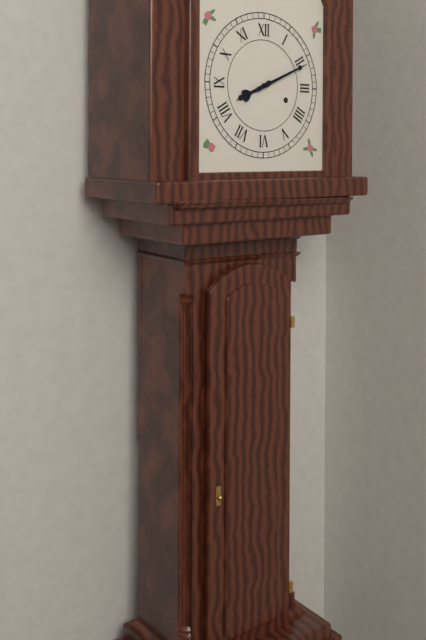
8.11
